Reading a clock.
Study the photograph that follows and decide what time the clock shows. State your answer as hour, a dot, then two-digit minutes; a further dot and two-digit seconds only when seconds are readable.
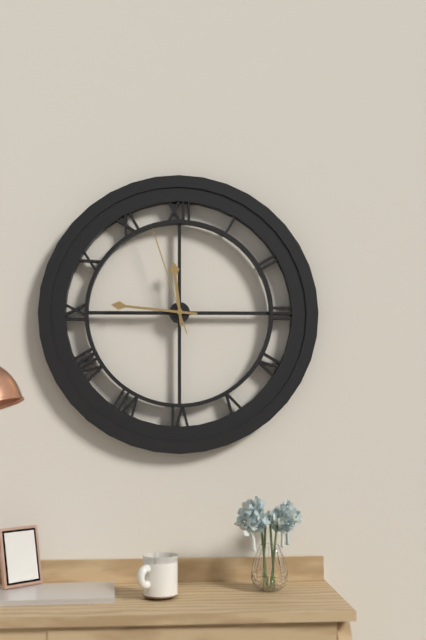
11.46.57
